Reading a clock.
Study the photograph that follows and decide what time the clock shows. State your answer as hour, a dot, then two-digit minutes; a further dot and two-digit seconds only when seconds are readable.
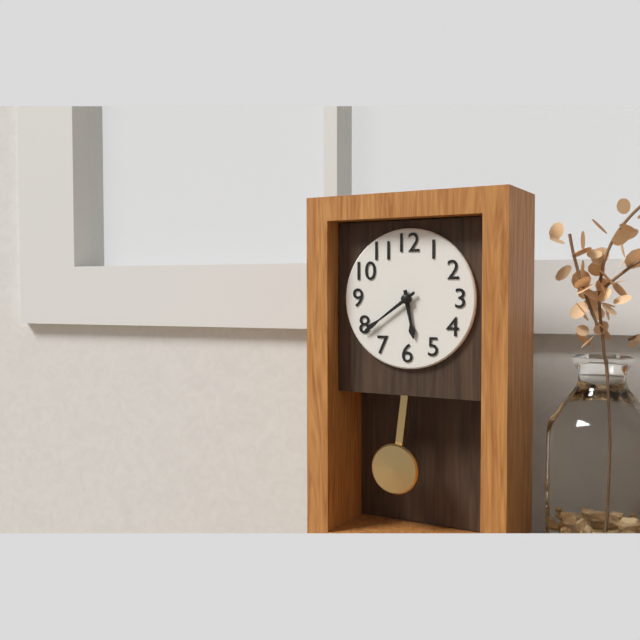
5.39
